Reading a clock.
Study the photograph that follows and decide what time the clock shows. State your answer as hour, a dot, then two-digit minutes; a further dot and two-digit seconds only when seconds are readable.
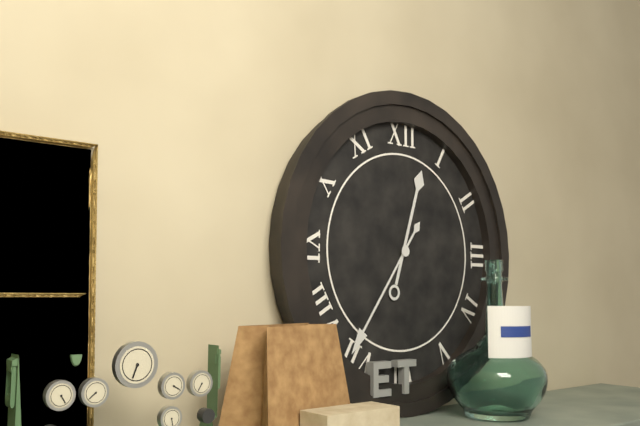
12.36
